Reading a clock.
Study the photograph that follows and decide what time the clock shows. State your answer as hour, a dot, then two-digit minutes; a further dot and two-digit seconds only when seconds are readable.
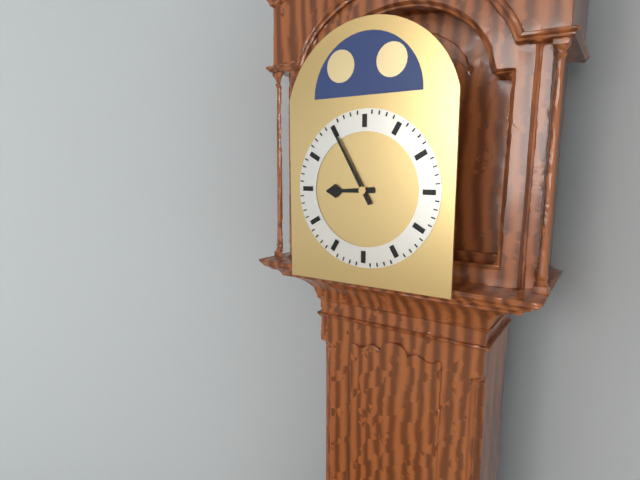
8.55
